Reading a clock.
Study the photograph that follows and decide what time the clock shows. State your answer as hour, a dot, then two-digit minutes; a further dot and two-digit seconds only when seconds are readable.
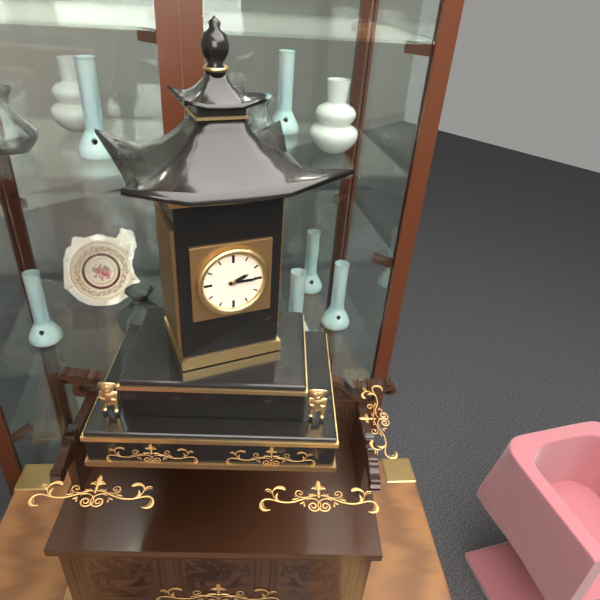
2.15
